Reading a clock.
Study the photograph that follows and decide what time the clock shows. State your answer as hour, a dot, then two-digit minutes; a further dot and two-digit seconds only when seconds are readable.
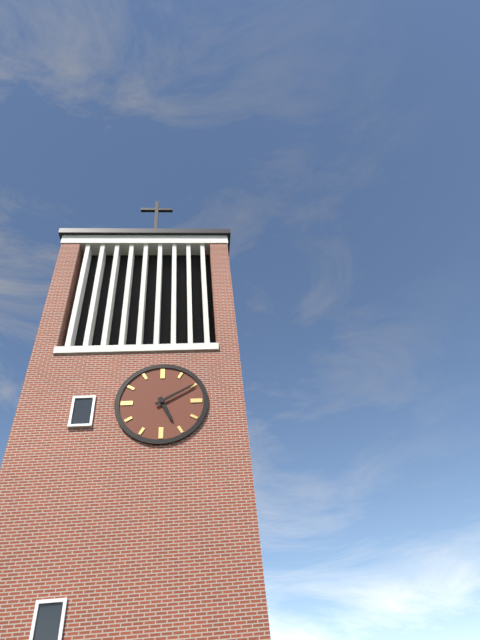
5.10
